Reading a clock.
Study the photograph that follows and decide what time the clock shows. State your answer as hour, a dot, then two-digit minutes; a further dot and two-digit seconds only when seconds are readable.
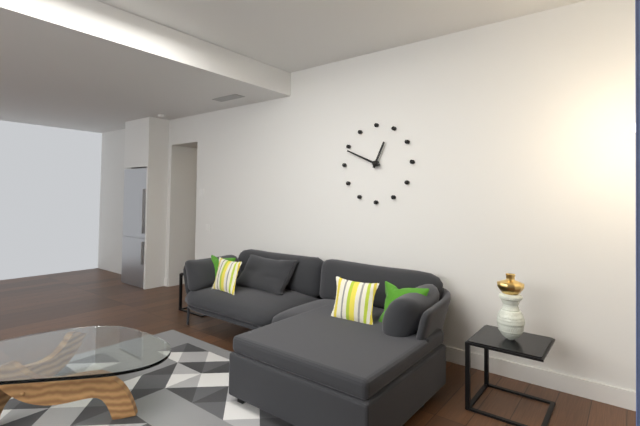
12.49
